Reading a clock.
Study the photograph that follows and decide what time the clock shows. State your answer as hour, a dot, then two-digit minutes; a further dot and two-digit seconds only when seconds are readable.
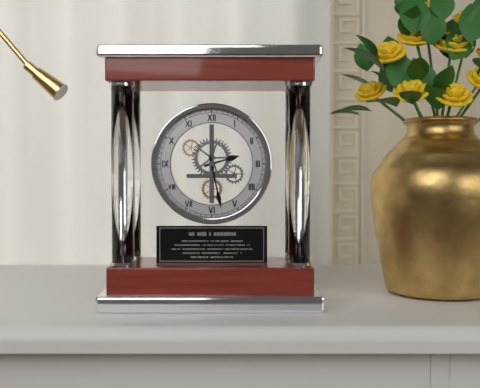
2.28
